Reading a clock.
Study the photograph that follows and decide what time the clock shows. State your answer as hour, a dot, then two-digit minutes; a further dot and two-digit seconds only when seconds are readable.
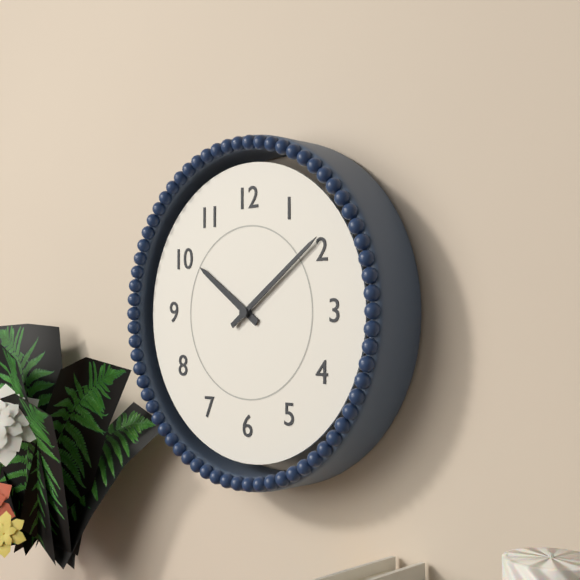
10.09
